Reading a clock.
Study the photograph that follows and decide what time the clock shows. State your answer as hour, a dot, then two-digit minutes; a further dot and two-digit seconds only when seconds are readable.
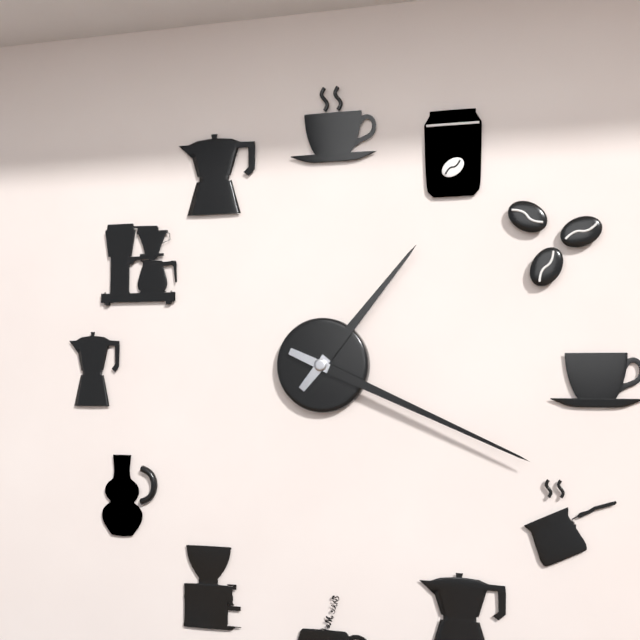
1.19
